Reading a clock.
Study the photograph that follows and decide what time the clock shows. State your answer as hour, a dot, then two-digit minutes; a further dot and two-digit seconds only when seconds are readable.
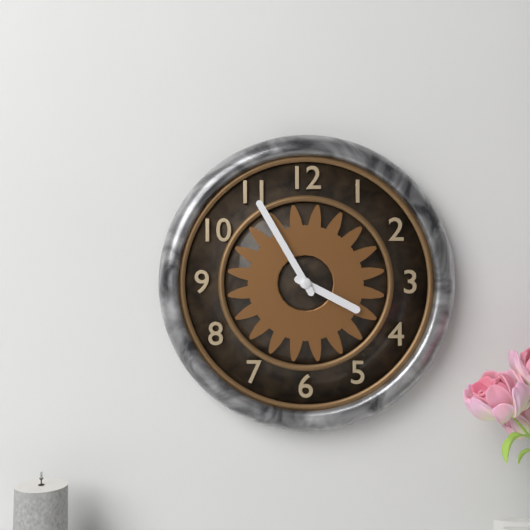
3.55
